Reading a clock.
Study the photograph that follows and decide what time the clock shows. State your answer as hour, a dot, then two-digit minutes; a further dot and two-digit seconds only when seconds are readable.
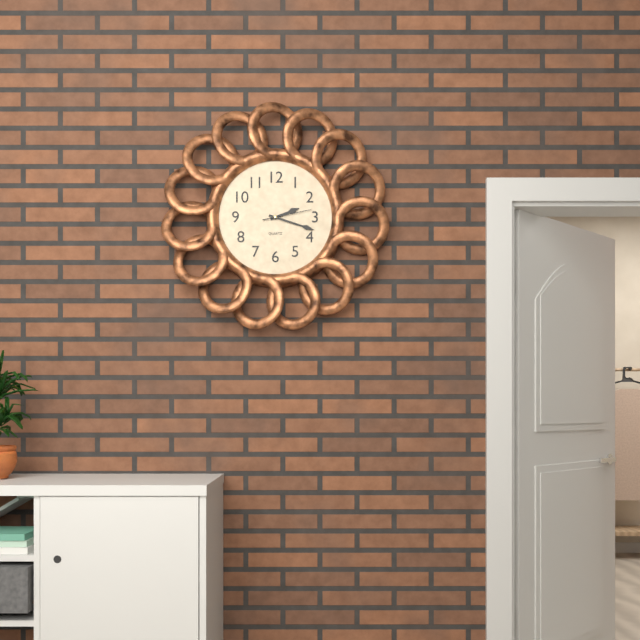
2.18
